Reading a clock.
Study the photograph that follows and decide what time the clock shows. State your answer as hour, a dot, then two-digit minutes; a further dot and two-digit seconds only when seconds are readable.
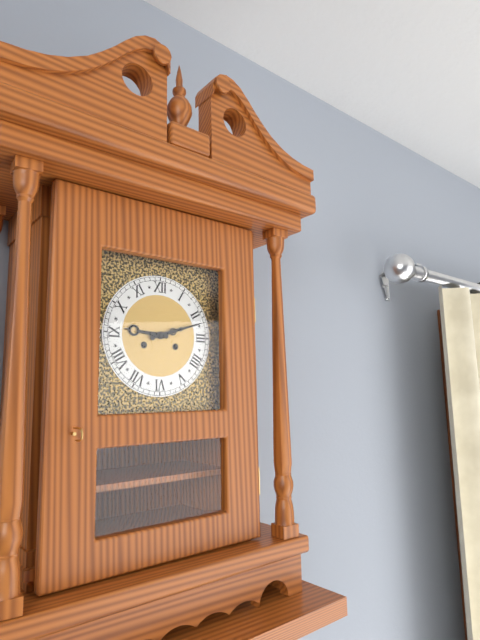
9.12
